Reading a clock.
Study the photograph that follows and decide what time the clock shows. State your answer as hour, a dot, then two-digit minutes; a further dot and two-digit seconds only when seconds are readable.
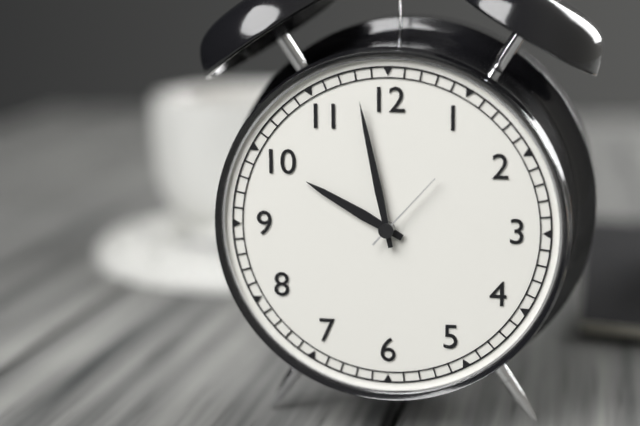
9.58.07
